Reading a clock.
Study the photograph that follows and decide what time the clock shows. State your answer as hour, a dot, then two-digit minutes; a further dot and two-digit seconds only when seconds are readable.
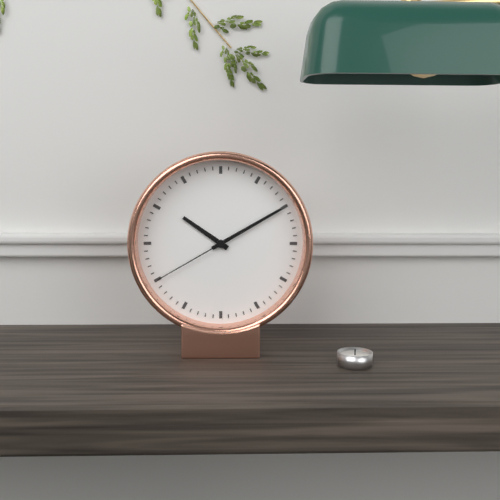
10.10.40
